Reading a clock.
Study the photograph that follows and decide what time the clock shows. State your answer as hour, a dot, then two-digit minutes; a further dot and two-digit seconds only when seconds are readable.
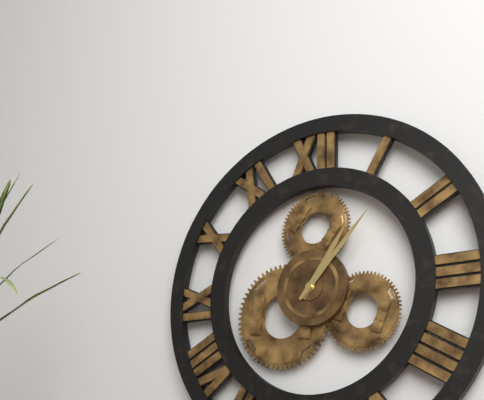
1.07
